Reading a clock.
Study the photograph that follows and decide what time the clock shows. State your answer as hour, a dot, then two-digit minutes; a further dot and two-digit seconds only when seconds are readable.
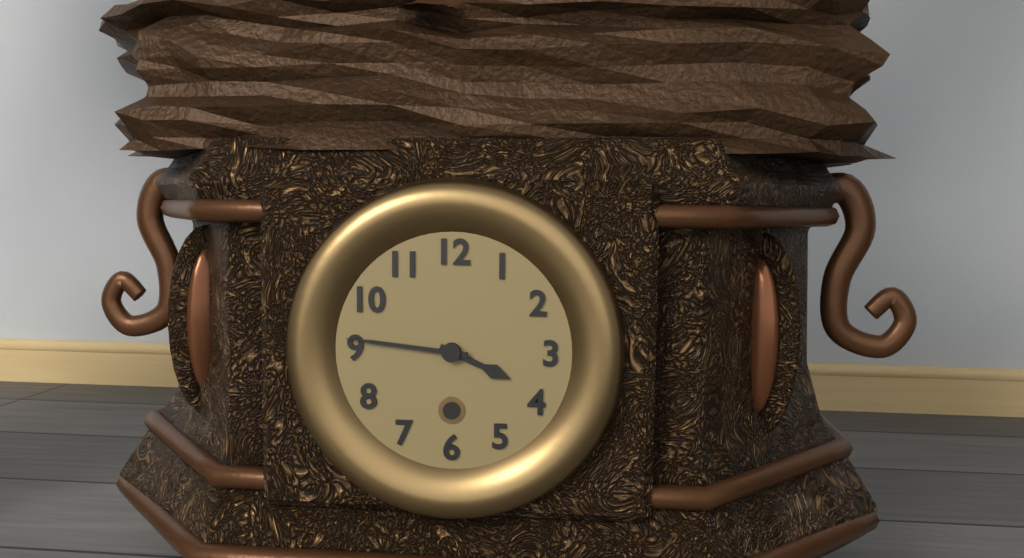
3.46
